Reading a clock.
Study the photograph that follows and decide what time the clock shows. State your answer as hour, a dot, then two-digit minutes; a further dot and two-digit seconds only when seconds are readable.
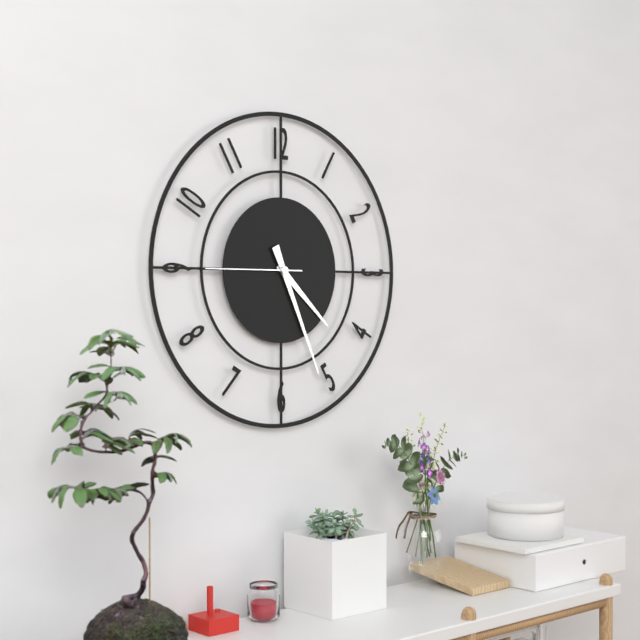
4.26.45
